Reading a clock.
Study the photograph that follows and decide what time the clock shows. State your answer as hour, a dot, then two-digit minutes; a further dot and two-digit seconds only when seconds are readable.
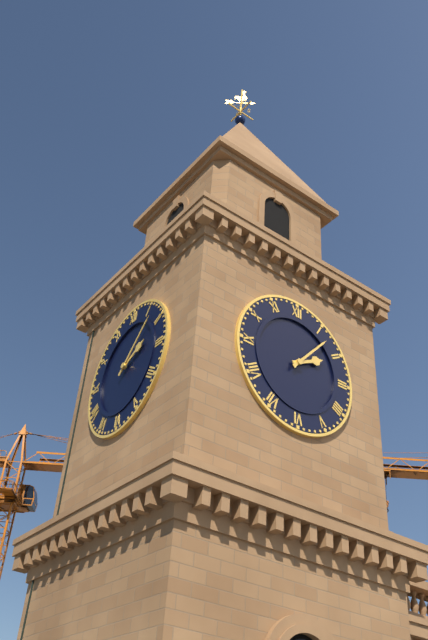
2.07
